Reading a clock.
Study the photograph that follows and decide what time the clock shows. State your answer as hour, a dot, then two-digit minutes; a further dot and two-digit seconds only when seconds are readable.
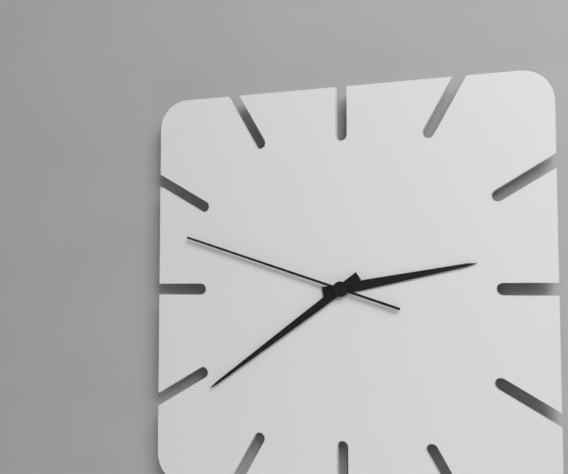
2.39.48
